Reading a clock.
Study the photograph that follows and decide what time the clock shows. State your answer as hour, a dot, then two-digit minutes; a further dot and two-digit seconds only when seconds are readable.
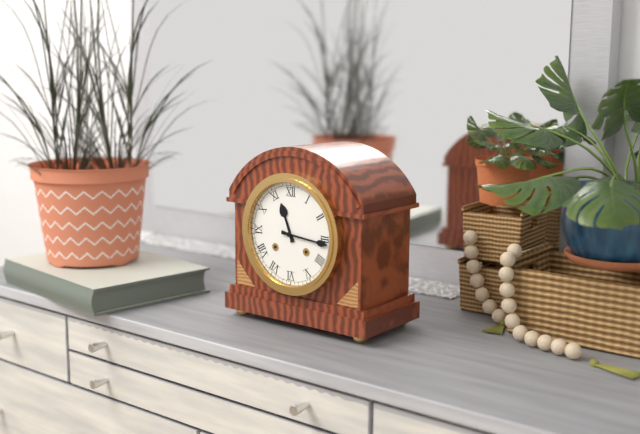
11.16
